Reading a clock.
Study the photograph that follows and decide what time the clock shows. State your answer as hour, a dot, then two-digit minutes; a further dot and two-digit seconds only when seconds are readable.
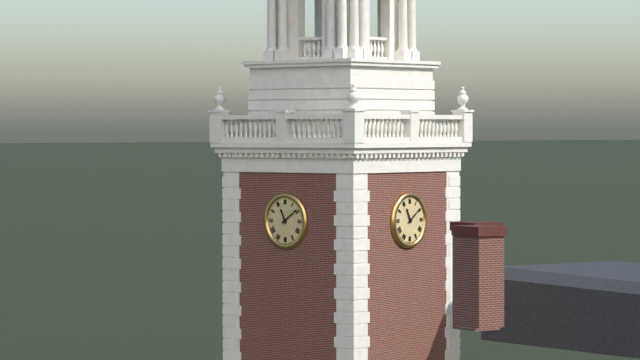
11.09
